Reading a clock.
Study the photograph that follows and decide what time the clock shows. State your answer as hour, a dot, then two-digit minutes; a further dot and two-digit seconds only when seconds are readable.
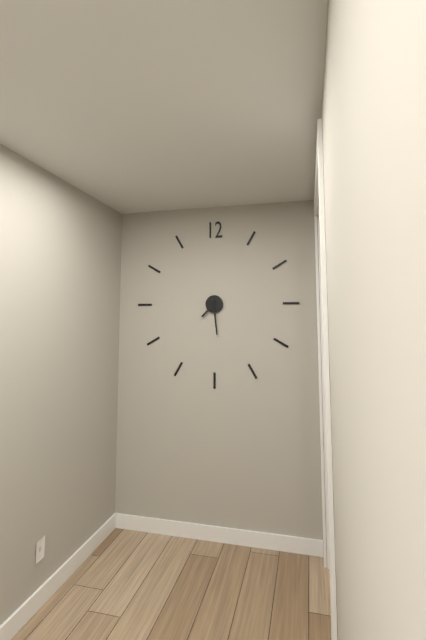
7.29
